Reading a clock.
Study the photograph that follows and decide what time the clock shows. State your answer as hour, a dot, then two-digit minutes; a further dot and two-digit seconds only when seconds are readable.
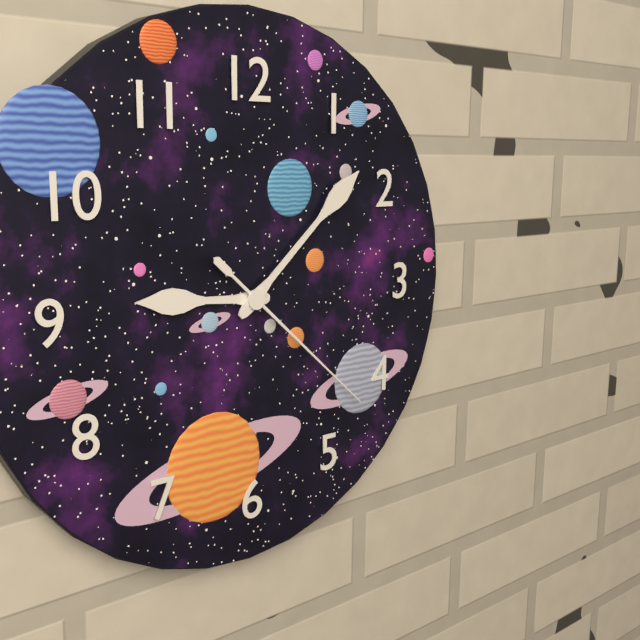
9.08.22
